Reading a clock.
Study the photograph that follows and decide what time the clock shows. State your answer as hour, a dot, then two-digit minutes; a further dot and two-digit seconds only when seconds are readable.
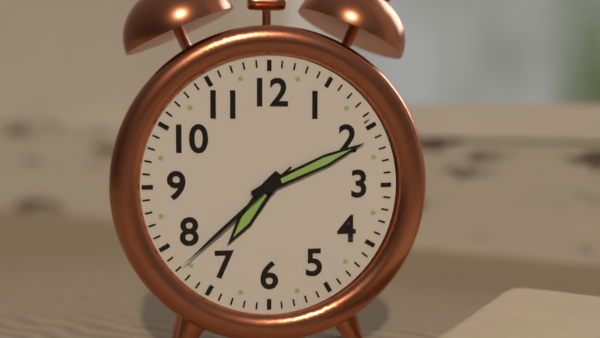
7.11.38
